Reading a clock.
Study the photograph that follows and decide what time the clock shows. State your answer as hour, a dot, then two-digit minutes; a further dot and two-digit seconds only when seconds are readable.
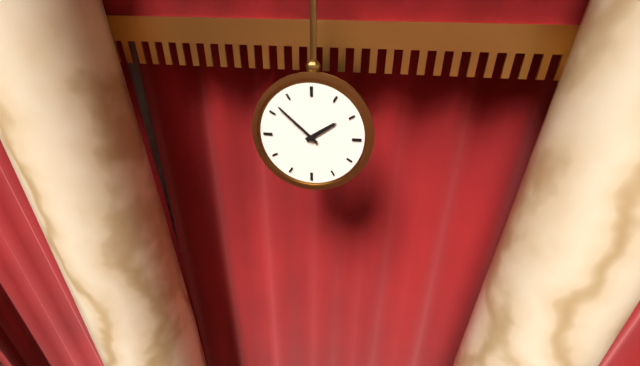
1.52
